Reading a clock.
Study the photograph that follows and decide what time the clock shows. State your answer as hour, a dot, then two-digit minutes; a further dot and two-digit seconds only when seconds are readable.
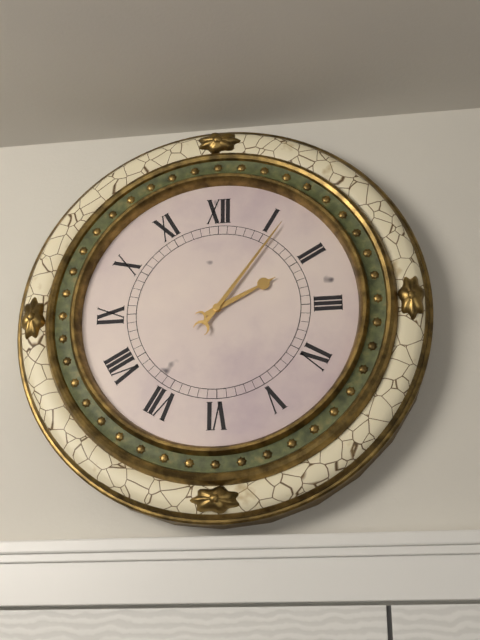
2.06
